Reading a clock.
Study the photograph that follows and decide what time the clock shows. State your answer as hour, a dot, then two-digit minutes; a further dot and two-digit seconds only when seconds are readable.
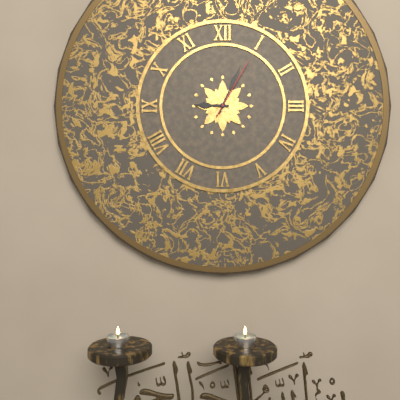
9.04.05
